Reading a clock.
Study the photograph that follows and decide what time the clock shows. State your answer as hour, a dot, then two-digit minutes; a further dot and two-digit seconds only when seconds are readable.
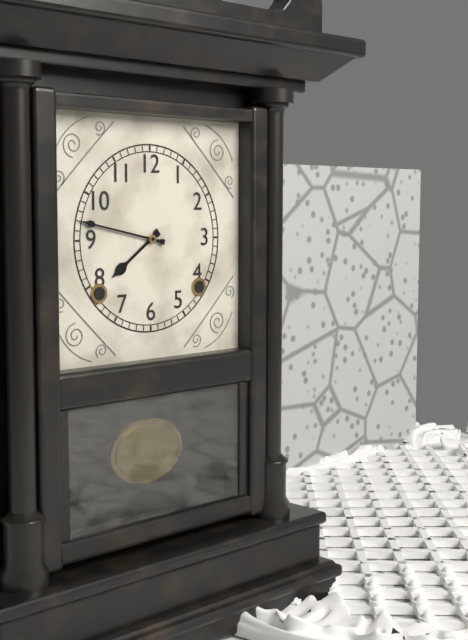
7.47
